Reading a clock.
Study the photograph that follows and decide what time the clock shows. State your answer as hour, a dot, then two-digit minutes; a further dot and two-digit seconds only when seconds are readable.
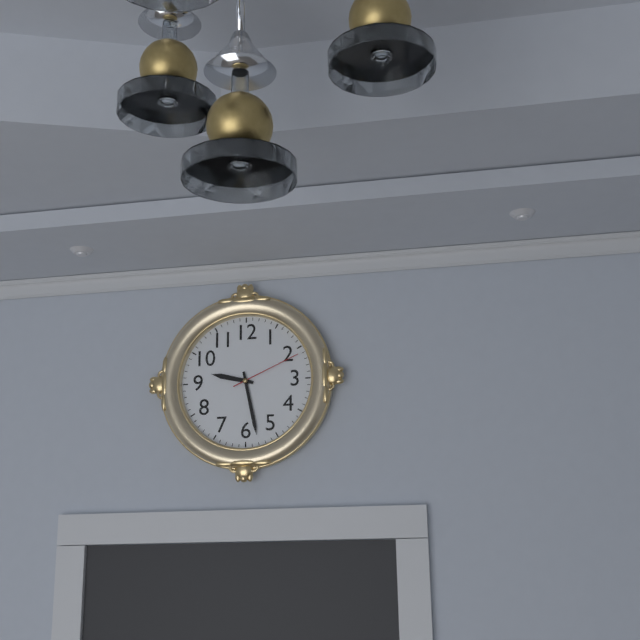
9.28.11
